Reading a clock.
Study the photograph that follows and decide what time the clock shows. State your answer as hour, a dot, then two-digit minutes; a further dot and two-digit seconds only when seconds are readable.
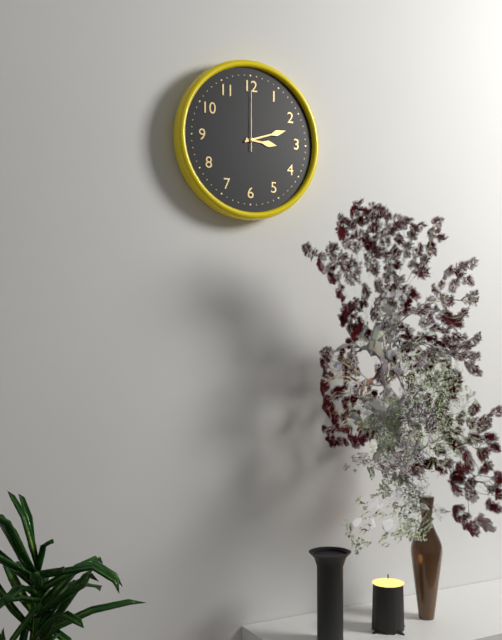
3.12.00
